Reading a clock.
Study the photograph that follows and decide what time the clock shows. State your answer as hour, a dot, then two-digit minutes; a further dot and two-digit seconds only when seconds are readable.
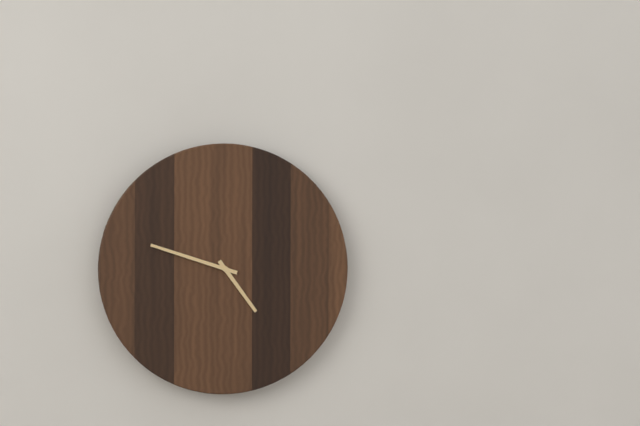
4.48
